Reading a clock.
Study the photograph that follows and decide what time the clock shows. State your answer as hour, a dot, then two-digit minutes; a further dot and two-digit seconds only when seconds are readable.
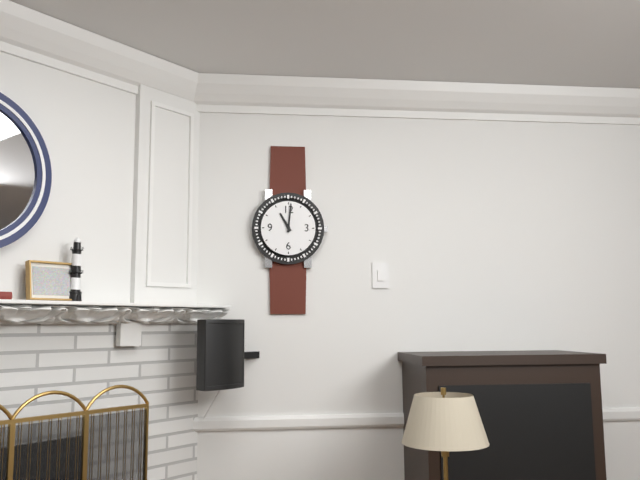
11.01
